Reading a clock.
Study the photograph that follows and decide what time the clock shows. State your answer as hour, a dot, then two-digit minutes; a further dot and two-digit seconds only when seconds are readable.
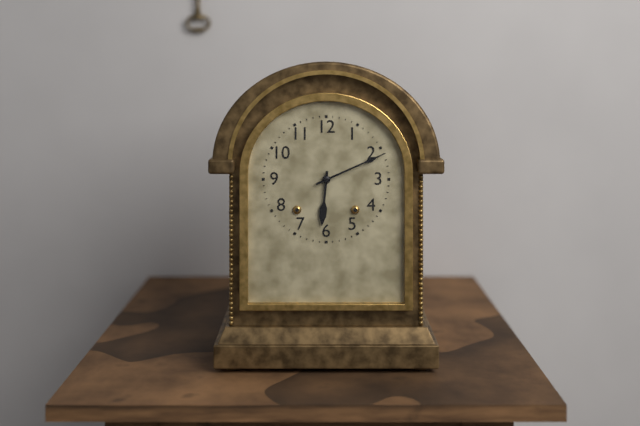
6.11
